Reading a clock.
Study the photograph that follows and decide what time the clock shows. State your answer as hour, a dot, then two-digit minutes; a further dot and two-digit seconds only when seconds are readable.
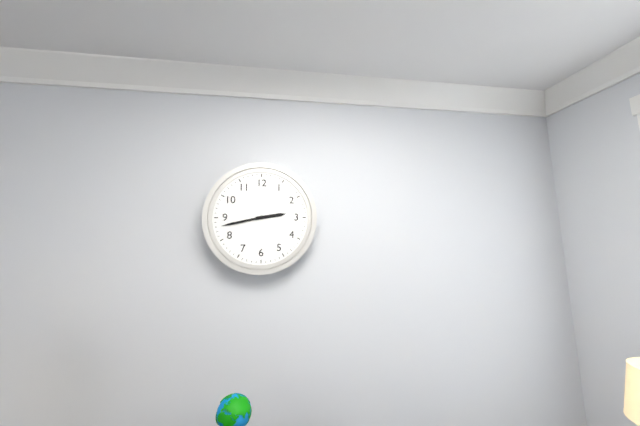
2.43
